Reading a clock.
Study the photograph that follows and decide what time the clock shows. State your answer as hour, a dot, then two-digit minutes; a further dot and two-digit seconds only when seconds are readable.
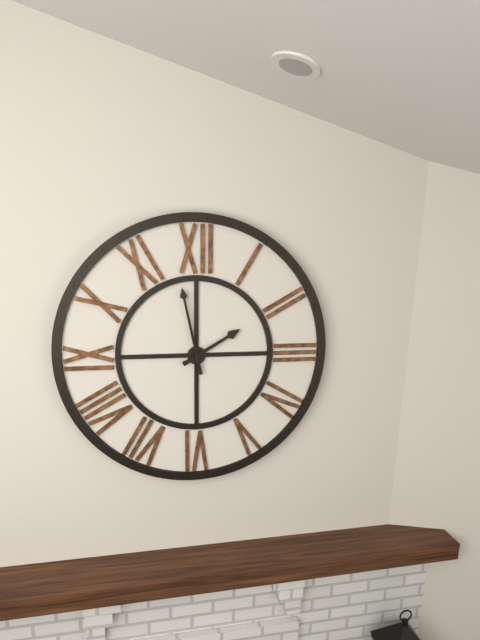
1.58
